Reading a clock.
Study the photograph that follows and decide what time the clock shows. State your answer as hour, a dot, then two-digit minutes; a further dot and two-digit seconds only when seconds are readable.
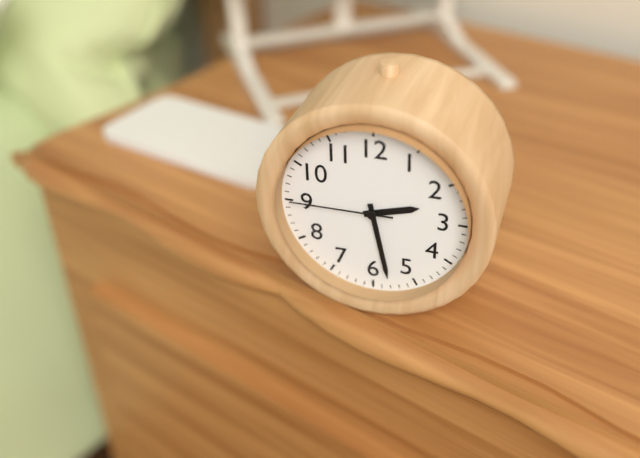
2.28.45
